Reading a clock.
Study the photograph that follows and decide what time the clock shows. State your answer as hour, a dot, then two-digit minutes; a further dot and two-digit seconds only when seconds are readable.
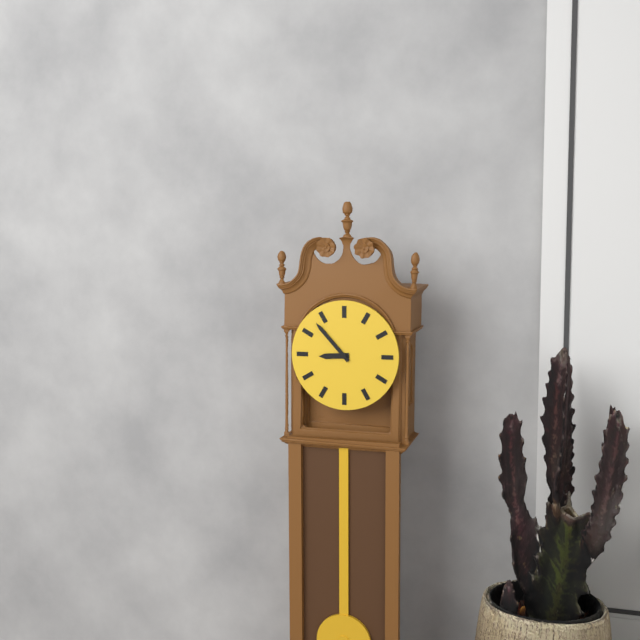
8.53
